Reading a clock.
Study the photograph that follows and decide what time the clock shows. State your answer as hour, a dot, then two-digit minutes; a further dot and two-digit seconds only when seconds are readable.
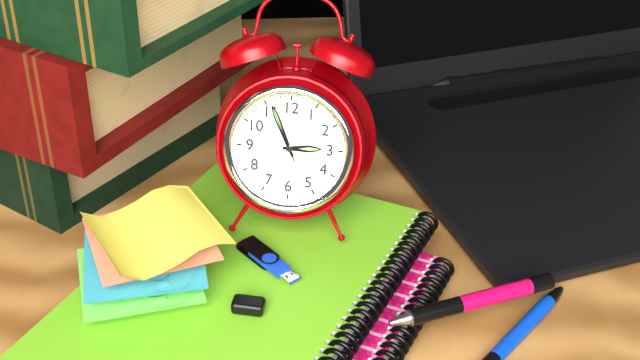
2.56.56
